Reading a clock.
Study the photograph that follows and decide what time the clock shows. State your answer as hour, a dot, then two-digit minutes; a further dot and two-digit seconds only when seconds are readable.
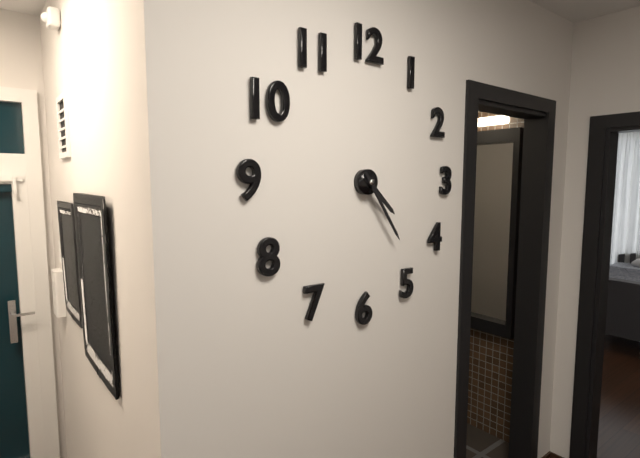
4.24
